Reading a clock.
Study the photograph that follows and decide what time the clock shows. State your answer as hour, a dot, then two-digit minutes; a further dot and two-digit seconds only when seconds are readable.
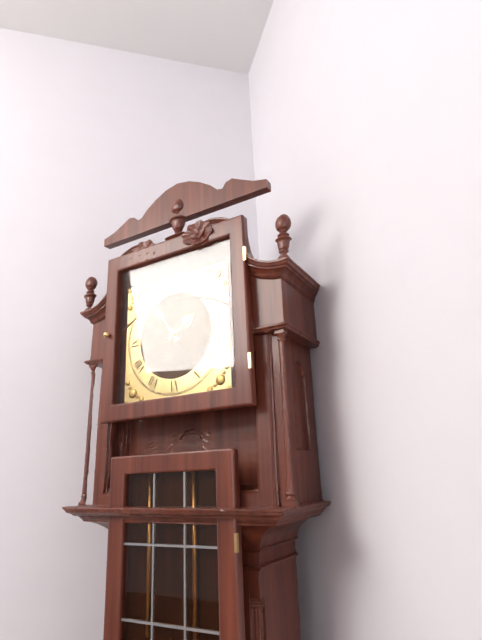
1.54
